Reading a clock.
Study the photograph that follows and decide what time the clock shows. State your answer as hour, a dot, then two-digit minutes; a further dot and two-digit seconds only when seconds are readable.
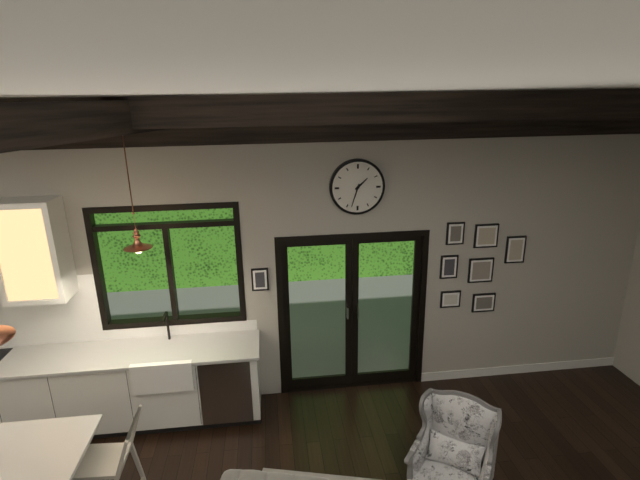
1.33
